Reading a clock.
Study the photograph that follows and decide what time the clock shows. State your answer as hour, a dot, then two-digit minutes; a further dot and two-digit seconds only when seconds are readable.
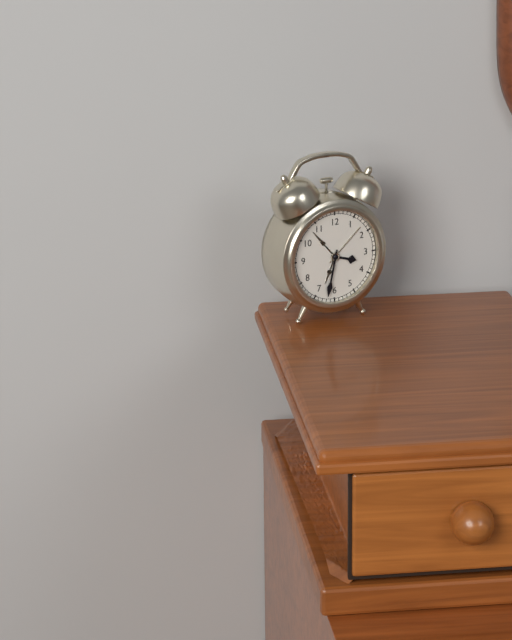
3.32
